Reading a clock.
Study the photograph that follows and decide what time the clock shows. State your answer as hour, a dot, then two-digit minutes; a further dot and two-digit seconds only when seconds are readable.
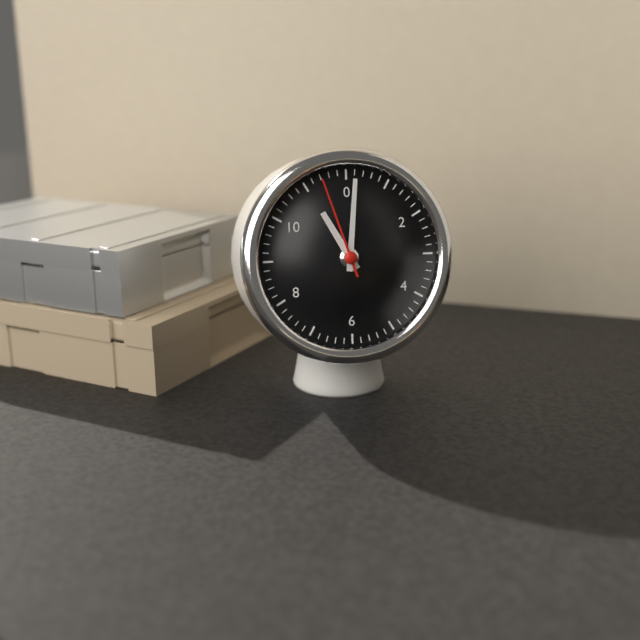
11.01.57
